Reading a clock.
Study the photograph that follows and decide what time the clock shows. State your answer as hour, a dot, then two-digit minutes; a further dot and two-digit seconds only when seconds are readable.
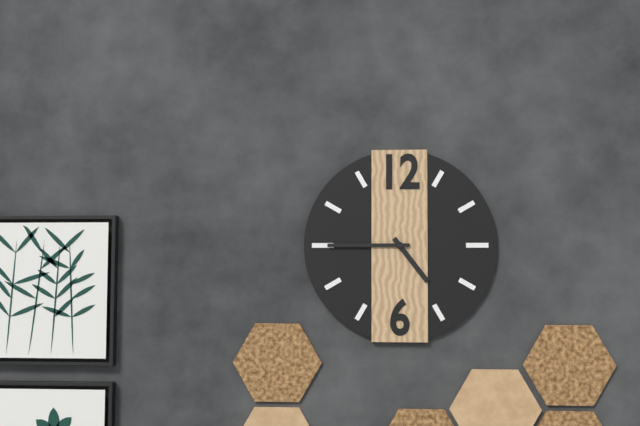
4.45
